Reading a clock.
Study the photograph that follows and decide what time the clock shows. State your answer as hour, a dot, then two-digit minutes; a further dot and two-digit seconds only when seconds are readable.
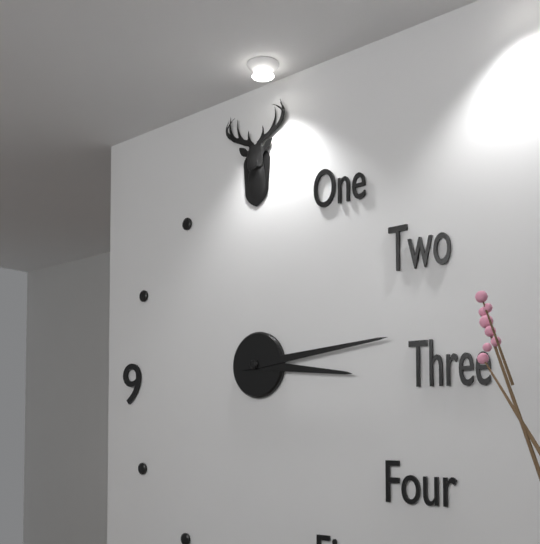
3.14
